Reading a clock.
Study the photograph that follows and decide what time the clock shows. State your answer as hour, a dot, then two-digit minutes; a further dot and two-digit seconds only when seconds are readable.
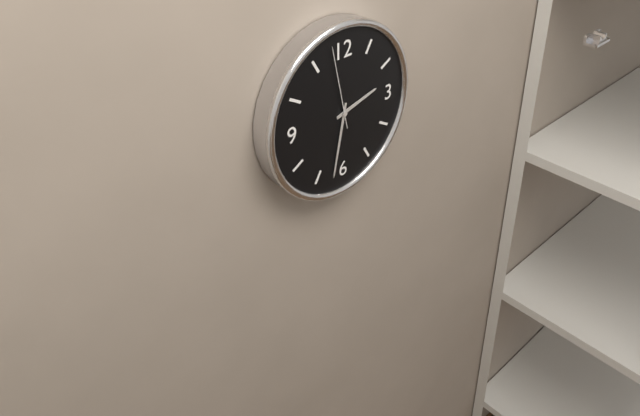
2.32.58
